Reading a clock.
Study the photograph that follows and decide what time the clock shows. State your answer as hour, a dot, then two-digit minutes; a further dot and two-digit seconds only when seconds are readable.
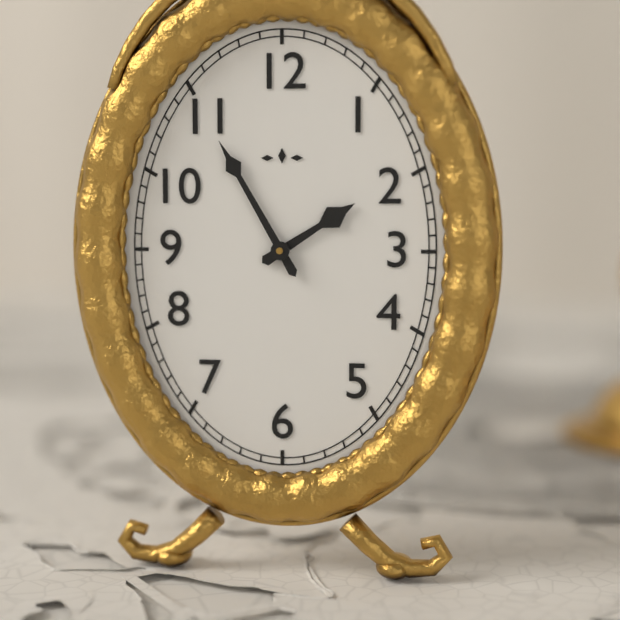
1.55
